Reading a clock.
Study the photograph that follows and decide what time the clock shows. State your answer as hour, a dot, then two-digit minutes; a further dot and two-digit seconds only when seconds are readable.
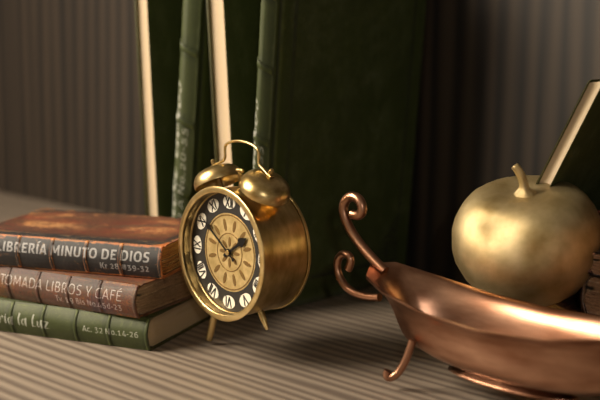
1.51
